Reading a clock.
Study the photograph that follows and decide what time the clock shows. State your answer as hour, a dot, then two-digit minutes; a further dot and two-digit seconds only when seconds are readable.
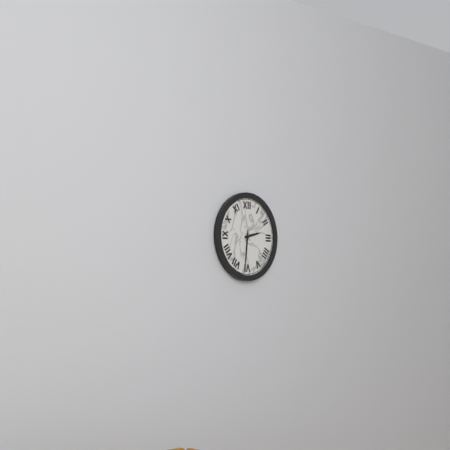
2.31
